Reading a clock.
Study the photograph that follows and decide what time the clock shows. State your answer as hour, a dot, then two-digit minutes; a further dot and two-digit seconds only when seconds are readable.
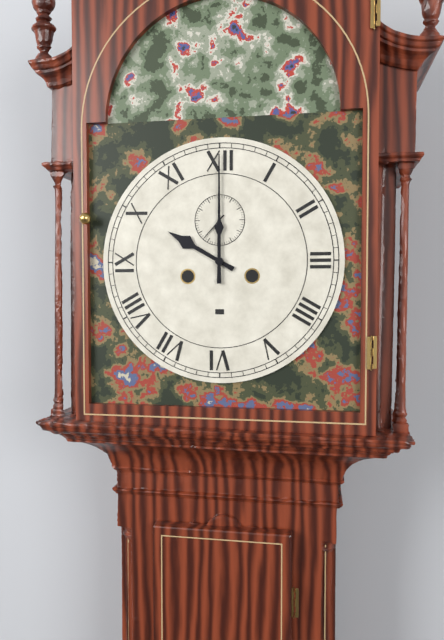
10.00
